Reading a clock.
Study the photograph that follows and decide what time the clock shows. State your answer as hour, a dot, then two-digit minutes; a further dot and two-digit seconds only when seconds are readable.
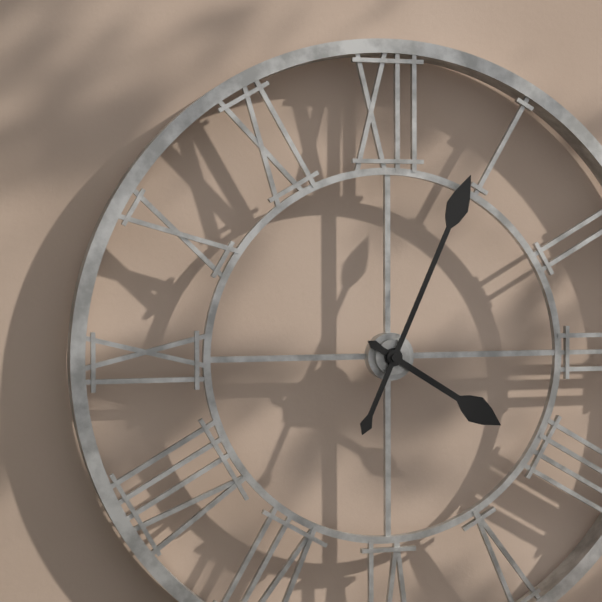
4.04
